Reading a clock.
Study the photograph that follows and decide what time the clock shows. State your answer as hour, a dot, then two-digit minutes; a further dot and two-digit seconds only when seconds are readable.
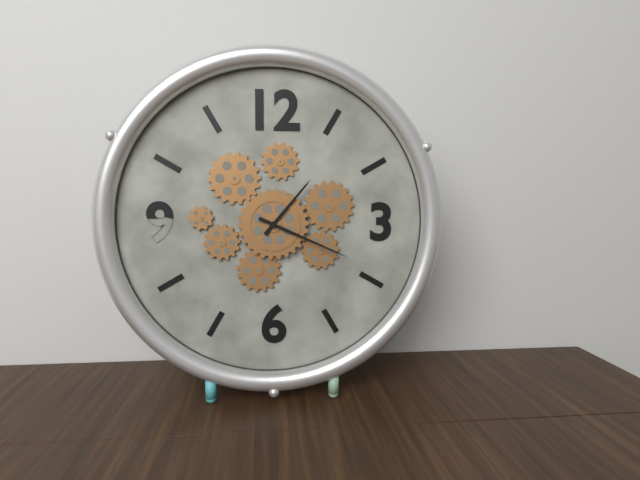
1.19
